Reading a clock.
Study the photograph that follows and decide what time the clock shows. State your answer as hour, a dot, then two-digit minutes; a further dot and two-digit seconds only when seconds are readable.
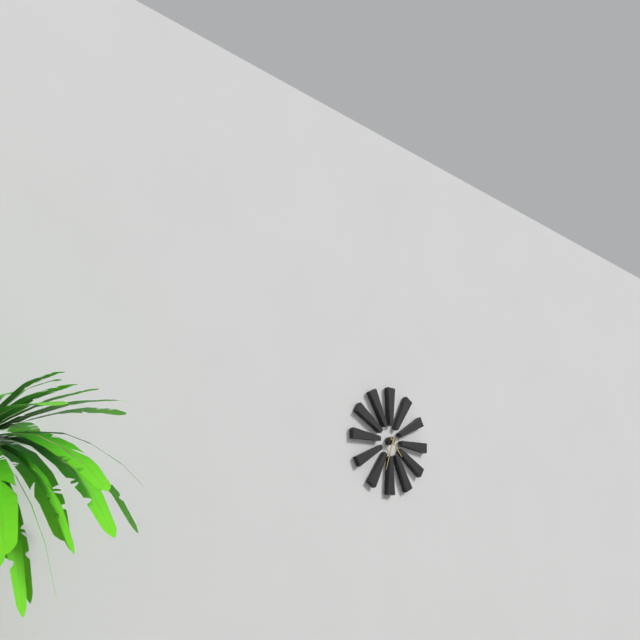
4.33
